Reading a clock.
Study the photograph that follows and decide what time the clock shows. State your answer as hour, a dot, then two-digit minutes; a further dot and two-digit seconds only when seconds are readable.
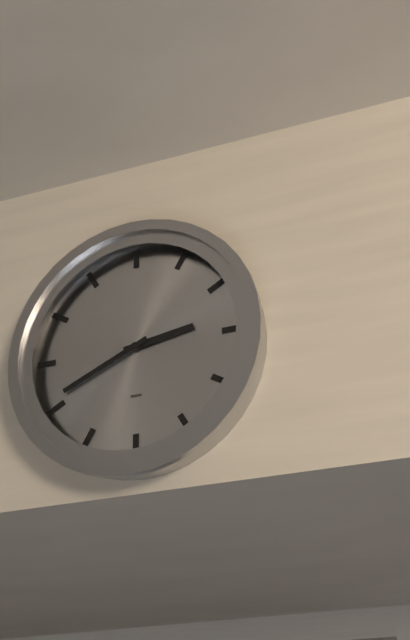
2.41
